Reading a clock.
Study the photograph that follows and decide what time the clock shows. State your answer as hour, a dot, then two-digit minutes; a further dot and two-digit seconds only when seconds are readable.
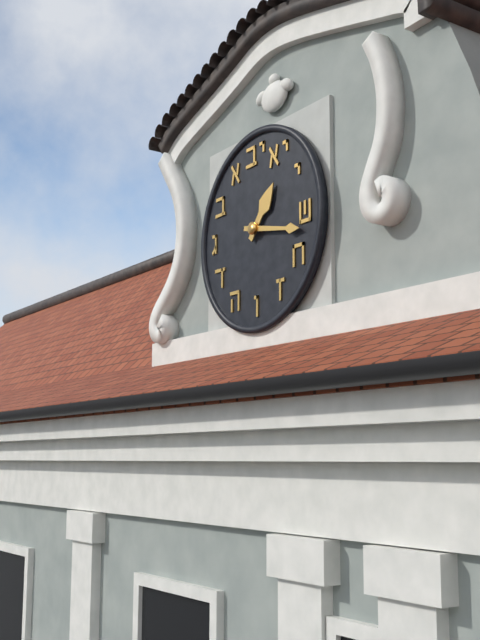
1.17
